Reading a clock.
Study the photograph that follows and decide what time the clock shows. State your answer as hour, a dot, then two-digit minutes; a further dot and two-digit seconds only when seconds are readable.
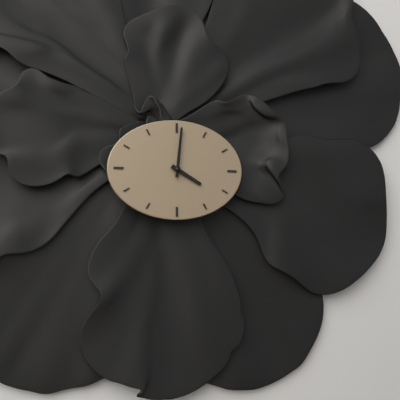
4.01
